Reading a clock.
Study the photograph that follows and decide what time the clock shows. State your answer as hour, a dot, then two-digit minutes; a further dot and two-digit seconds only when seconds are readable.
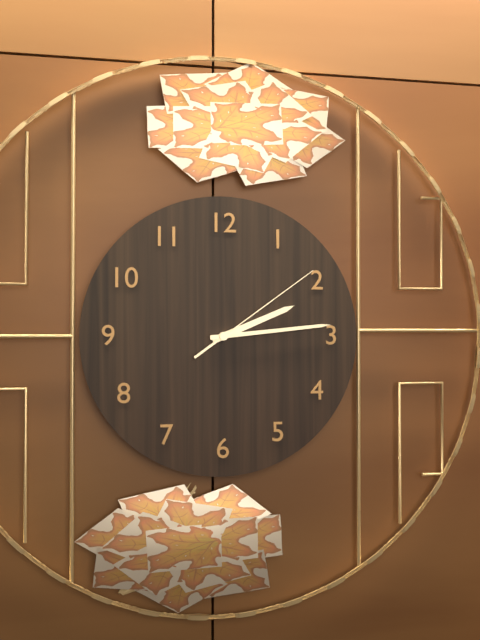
2.14.09
